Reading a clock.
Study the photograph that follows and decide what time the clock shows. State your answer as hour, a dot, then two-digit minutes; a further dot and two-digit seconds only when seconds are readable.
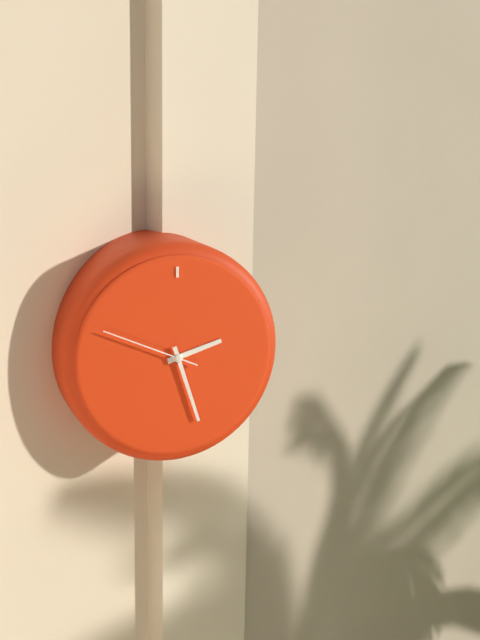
2.27.49
